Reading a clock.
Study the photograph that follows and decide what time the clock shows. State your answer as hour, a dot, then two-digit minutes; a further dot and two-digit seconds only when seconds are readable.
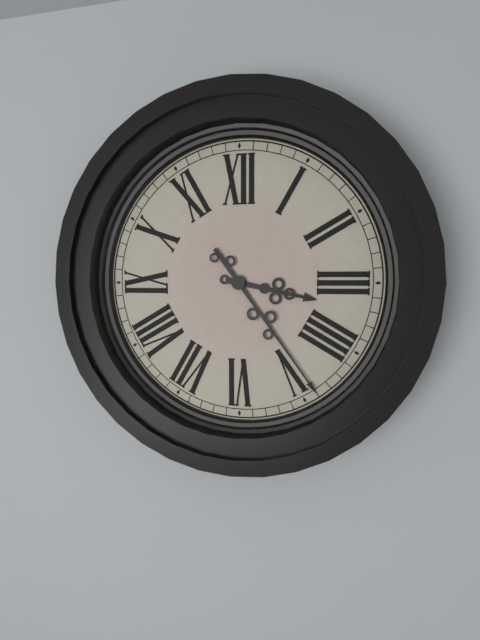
3.24
